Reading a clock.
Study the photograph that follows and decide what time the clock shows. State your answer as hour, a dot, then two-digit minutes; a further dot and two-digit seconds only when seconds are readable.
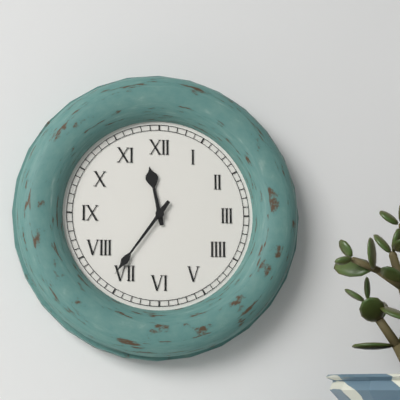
11.36
